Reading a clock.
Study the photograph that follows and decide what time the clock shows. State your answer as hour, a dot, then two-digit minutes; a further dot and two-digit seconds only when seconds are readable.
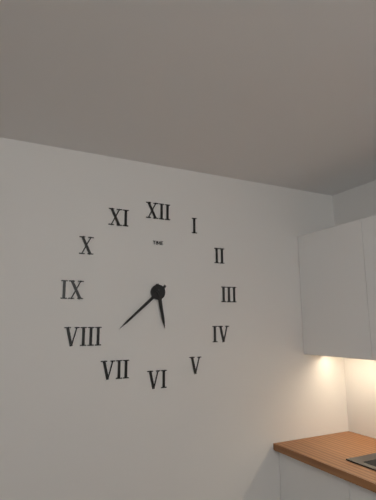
5.38
